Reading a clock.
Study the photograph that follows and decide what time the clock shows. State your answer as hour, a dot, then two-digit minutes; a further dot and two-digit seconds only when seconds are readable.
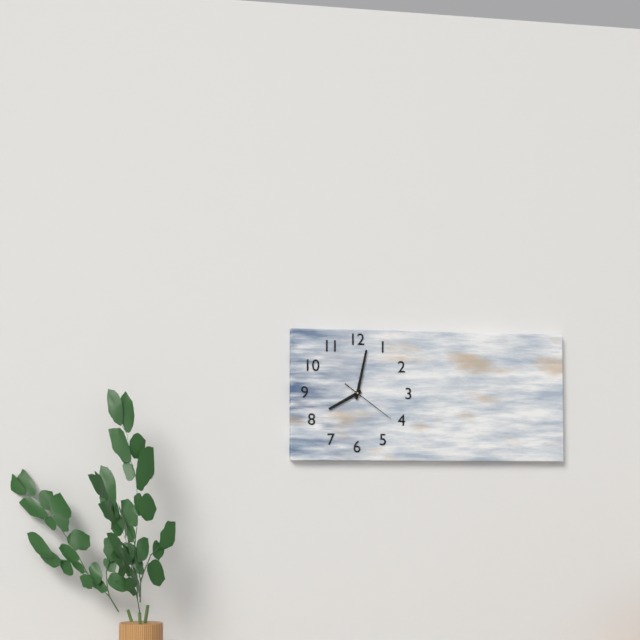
8.02.21
